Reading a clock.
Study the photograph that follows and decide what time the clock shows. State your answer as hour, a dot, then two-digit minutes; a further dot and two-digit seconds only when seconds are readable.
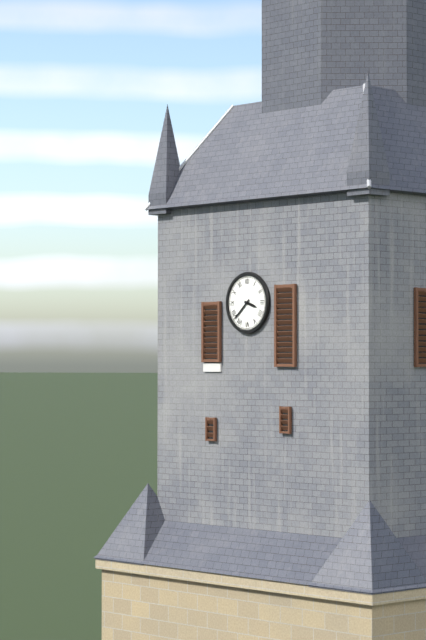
3.38
